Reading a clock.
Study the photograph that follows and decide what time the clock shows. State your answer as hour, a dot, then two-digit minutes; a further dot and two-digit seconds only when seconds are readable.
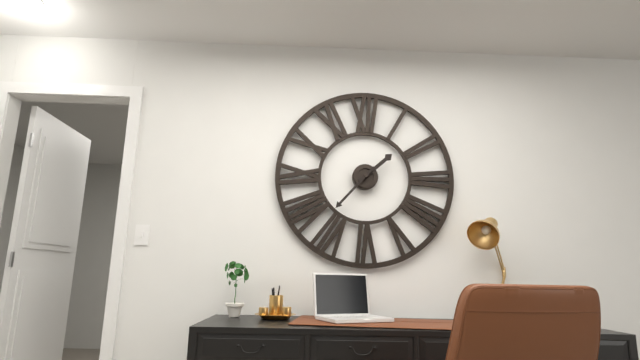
1.37
